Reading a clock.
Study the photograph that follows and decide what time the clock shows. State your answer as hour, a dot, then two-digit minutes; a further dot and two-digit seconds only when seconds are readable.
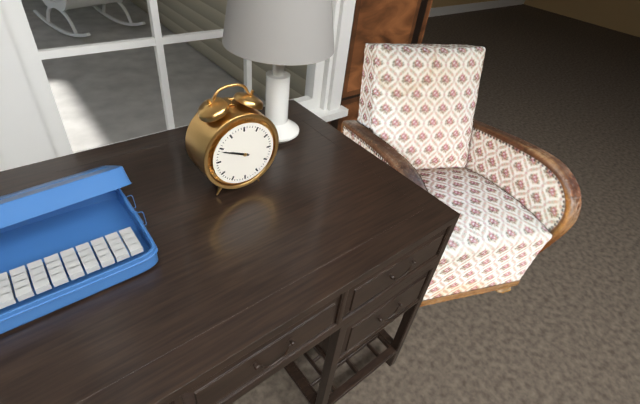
9.49
